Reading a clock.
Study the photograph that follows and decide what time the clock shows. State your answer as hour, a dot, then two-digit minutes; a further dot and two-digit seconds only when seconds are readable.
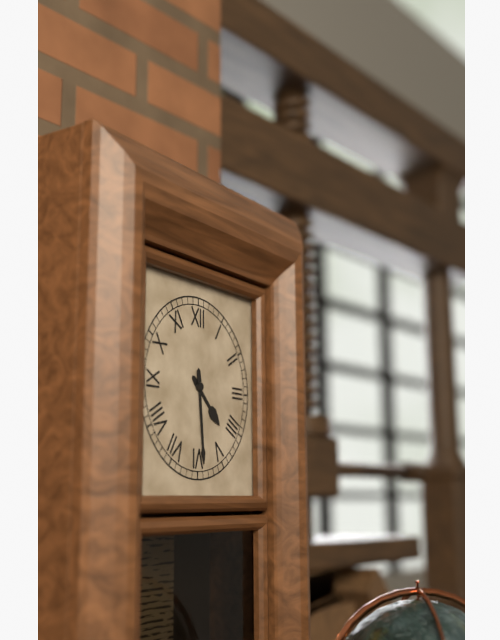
4.29
